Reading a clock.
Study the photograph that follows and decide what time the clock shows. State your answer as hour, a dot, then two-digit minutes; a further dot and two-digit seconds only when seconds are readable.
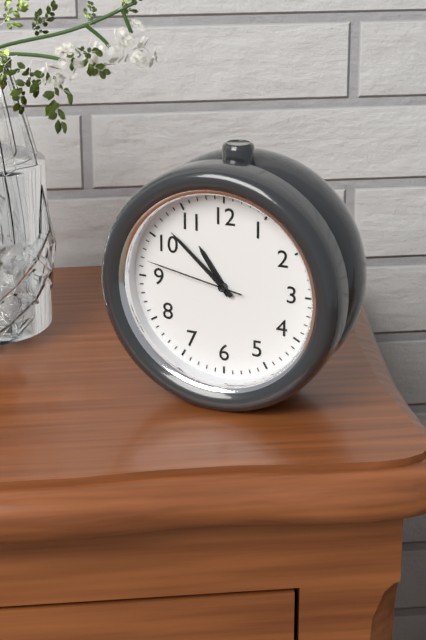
10.52.47
